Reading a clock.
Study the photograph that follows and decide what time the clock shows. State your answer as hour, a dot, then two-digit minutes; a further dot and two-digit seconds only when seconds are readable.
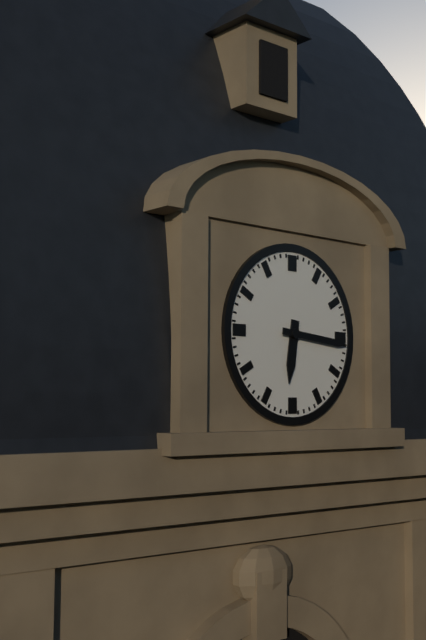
6.16
